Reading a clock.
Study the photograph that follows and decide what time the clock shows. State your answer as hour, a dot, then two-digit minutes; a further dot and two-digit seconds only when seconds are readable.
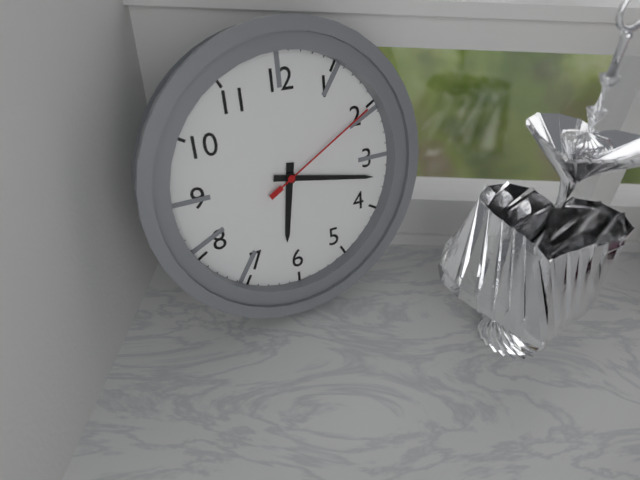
6.17.10
